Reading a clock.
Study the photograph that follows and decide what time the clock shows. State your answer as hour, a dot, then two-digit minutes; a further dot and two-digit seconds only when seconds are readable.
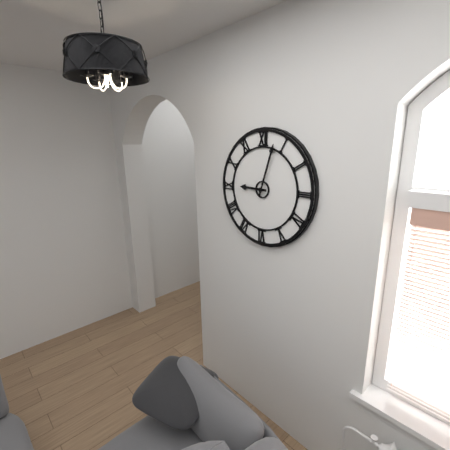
9.03
